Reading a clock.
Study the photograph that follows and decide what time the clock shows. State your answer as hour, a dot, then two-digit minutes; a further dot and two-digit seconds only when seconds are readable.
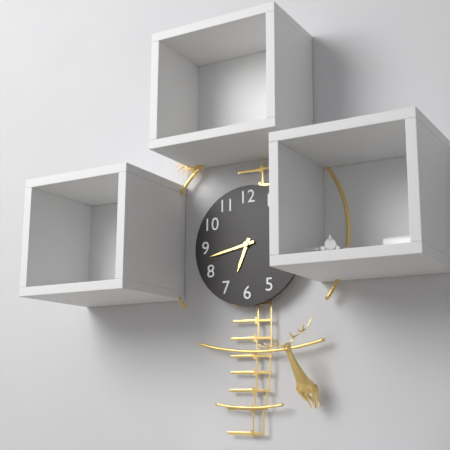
6.43
